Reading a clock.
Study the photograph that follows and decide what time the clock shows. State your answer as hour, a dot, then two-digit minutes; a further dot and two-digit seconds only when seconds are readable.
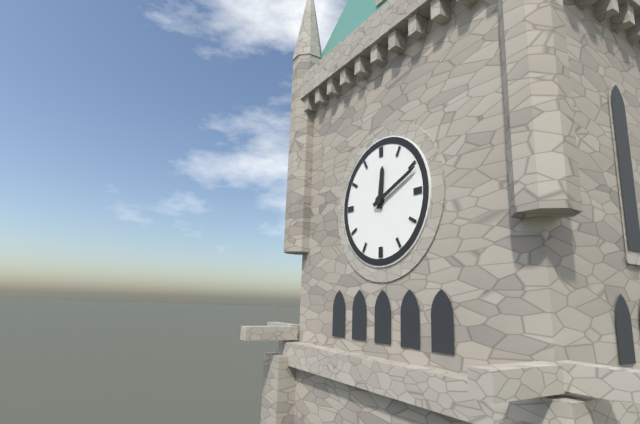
12.11
